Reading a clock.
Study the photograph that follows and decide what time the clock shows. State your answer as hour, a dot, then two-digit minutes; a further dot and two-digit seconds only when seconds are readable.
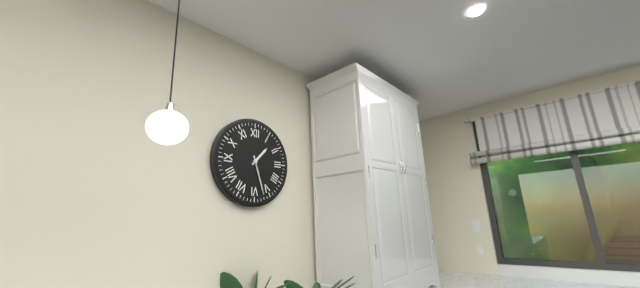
1.27
